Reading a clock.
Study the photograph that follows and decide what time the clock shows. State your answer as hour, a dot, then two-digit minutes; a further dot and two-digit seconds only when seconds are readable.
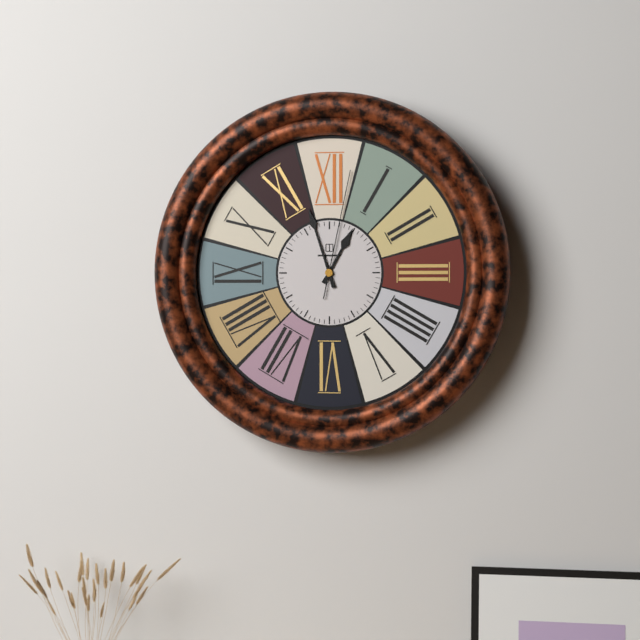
12.57.02
